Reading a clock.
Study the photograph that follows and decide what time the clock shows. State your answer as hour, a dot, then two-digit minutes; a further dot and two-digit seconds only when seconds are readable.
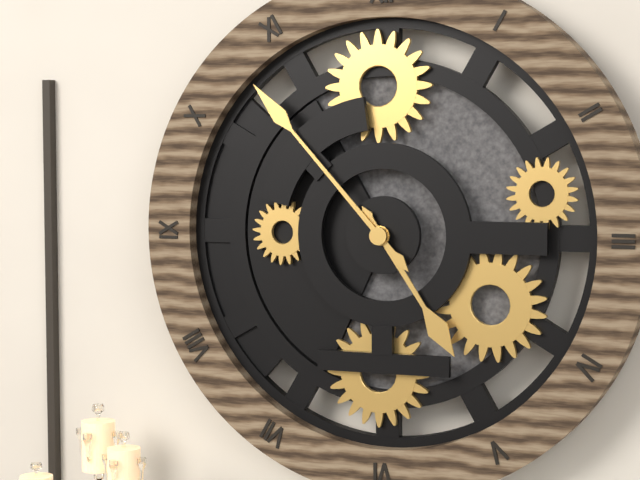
4.53
